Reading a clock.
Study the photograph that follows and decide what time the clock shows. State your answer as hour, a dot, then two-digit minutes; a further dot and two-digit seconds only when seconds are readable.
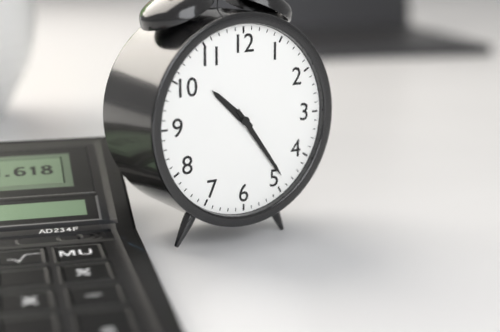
10.24
